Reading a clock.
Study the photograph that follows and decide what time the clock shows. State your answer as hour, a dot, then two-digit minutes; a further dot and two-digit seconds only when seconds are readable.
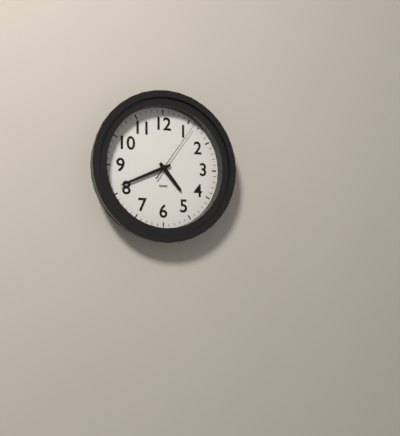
4.41.06
